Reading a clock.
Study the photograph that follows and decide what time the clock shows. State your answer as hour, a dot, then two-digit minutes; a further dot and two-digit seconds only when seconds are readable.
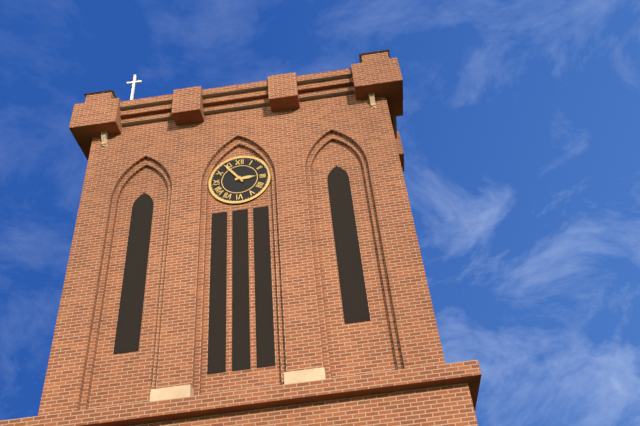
2.54
